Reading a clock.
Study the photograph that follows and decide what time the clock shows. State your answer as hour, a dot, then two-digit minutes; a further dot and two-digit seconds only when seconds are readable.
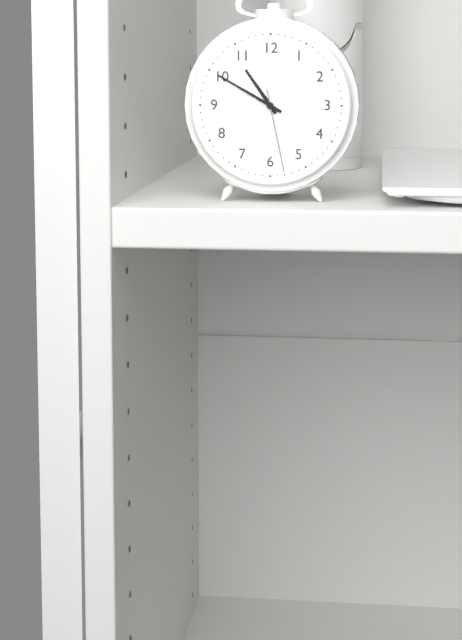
10.50.28
